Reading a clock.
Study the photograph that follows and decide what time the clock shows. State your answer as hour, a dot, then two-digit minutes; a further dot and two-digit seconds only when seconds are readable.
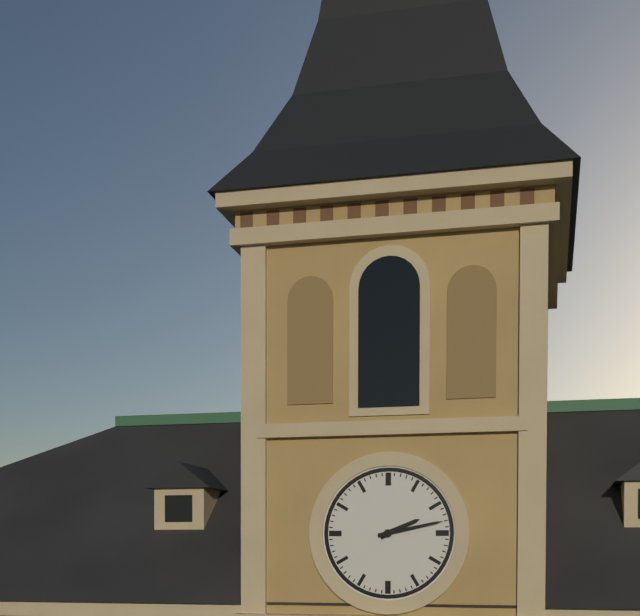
2.13
